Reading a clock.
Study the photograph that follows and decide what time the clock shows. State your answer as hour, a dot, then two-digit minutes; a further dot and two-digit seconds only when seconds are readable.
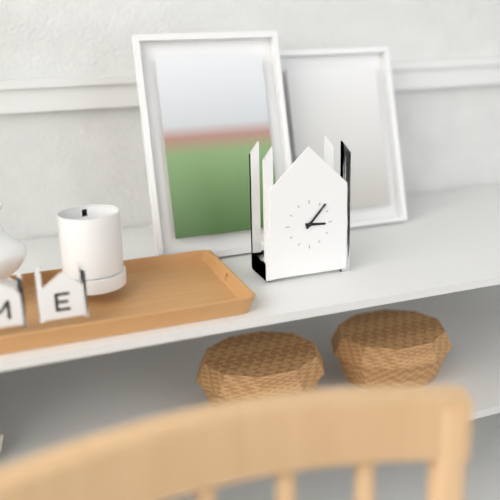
3.07
